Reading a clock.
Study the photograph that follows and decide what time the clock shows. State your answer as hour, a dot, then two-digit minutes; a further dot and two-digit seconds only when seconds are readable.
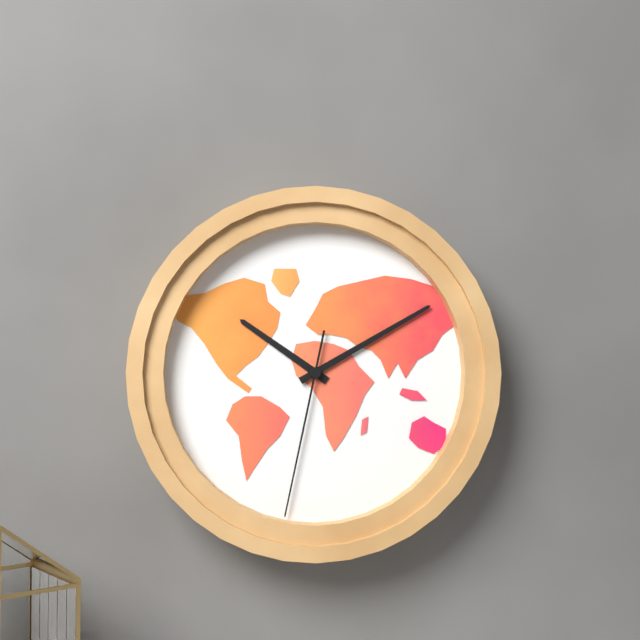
10.10.32
